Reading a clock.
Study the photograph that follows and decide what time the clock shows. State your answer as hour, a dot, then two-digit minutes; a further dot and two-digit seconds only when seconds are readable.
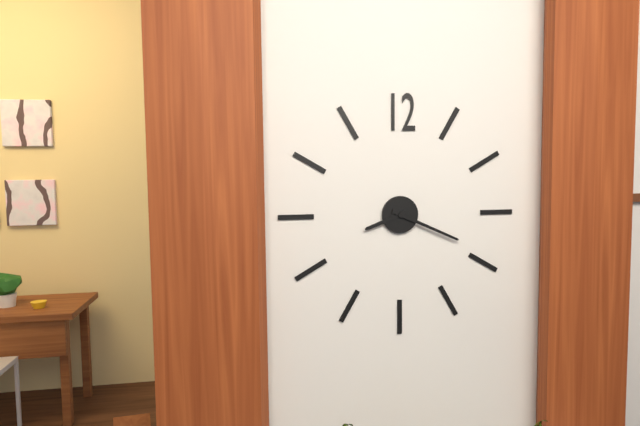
8.19
